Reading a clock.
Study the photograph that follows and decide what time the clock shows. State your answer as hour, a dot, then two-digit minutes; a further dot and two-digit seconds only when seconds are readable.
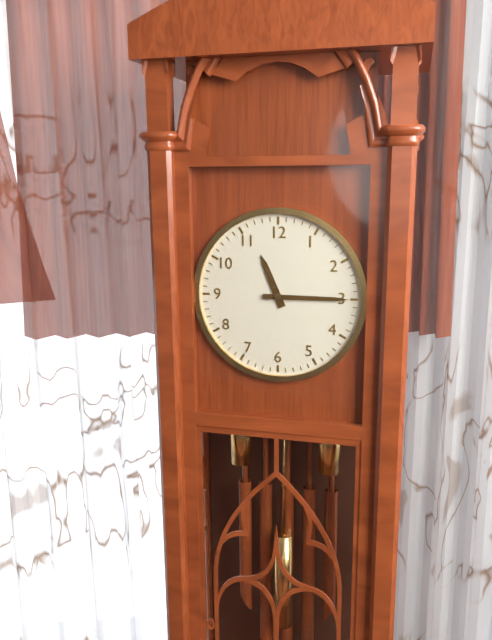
11.15
